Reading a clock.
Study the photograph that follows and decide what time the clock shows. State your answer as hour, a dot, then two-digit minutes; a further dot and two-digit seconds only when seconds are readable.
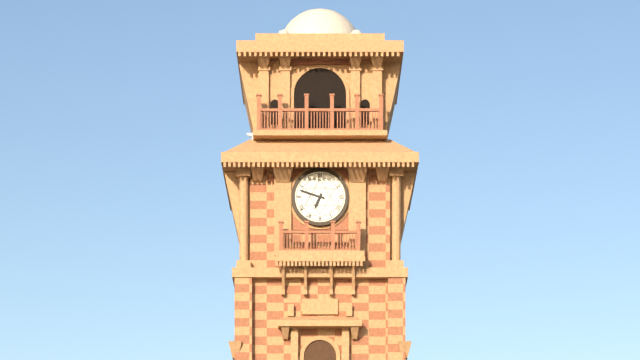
6.48
